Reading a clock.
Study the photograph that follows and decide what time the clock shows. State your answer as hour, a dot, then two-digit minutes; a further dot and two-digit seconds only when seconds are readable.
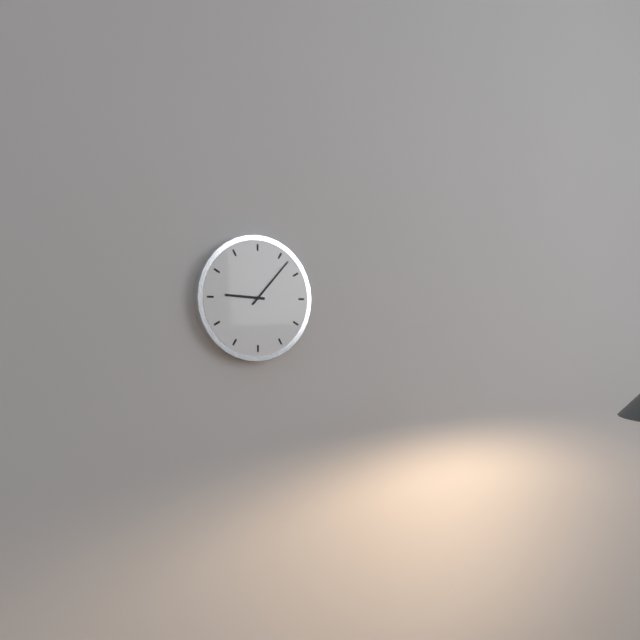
9.07
